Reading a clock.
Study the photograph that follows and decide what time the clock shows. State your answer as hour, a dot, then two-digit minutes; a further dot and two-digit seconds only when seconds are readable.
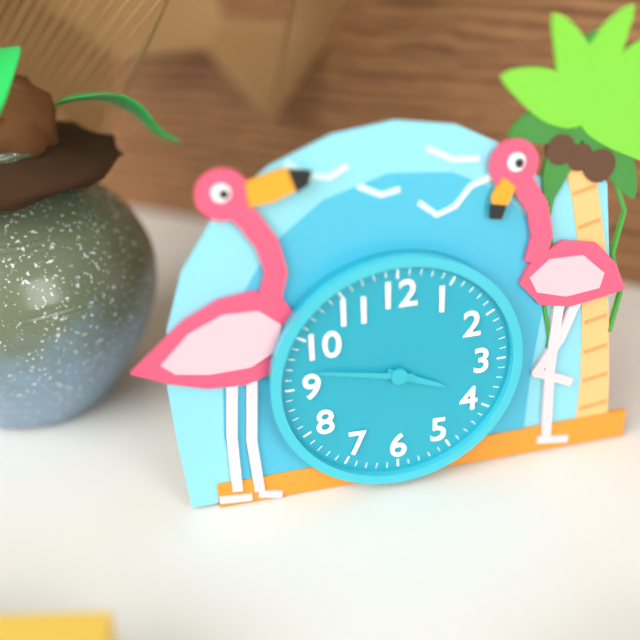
3.47
